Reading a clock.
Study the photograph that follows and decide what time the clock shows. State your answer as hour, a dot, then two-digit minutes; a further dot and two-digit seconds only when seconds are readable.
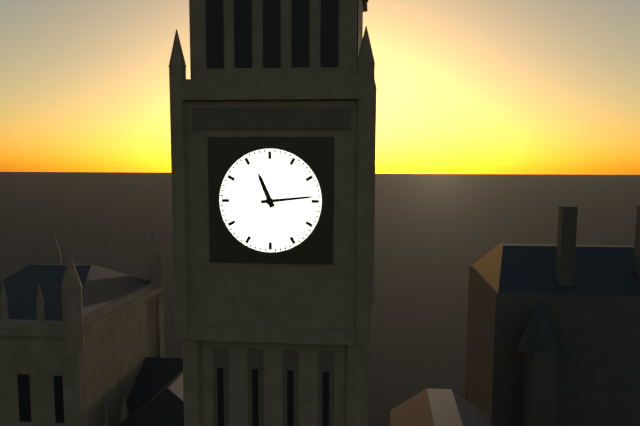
11.14
